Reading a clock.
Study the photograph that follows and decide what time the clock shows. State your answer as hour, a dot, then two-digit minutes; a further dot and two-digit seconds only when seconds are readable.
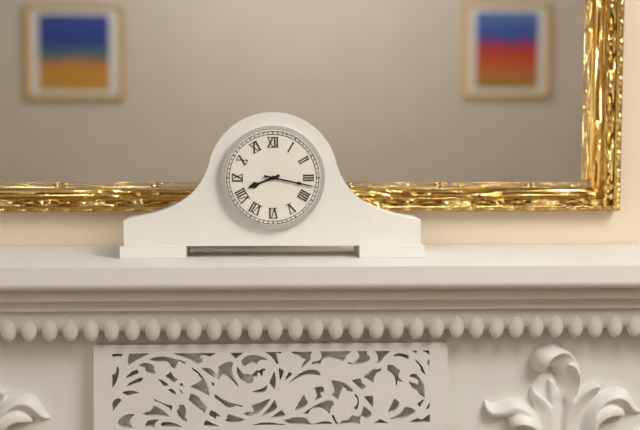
8.17
